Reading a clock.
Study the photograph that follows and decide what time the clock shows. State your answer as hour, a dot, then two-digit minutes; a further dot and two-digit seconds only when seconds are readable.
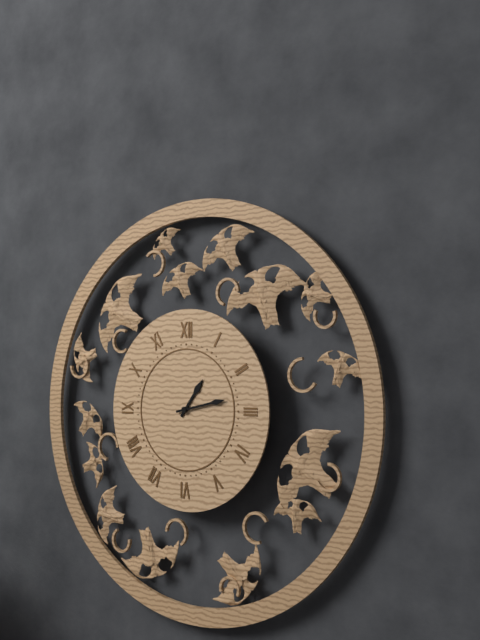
1.13
